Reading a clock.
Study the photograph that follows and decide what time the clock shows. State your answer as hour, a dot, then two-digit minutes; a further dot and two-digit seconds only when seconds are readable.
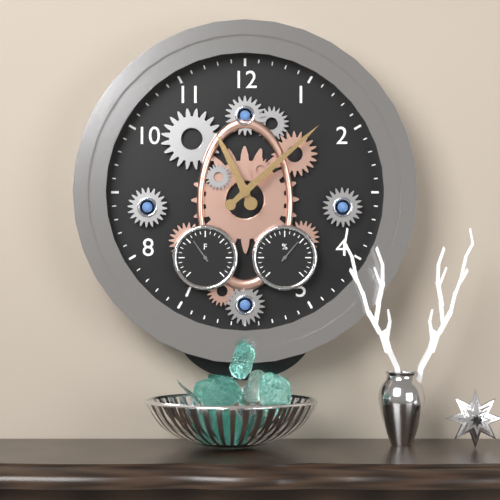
11.08
